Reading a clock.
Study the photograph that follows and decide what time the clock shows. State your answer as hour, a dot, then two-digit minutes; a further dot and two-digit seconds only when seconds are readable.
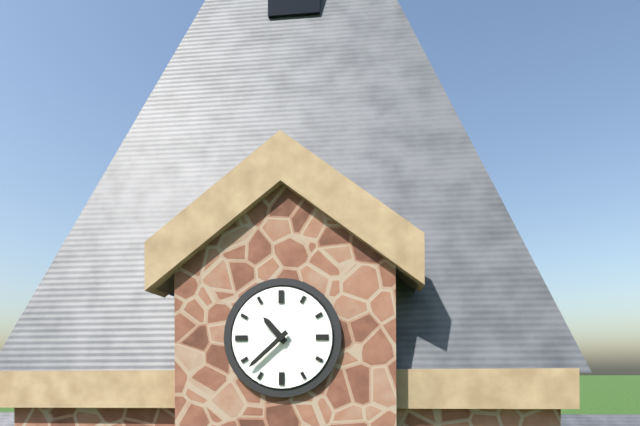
10.38
